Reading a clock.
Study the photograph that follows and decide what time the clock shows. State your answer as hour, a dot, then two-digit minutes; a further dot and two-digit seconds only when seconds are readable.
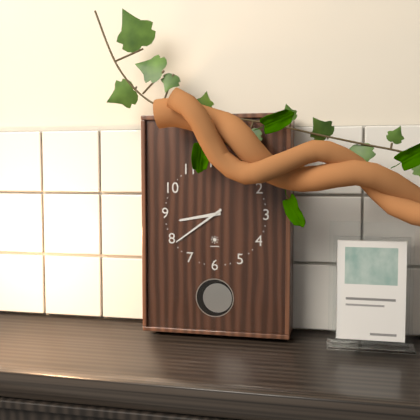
8.39
